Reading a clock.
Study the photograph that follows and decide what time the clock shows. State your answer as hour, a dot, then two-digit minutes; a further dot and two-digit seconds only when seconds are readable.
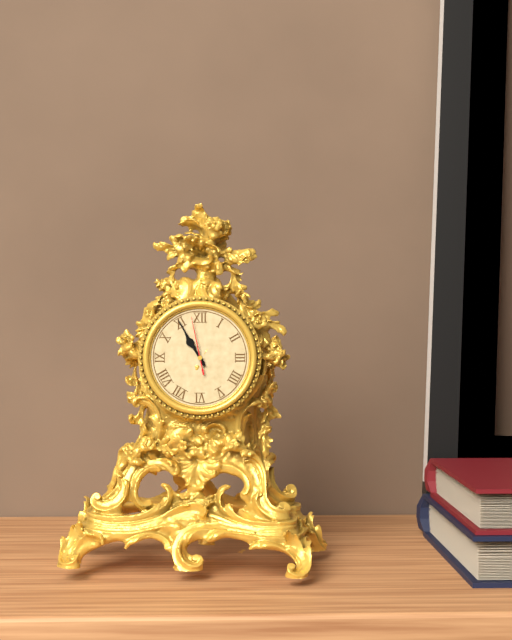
10.55.58
